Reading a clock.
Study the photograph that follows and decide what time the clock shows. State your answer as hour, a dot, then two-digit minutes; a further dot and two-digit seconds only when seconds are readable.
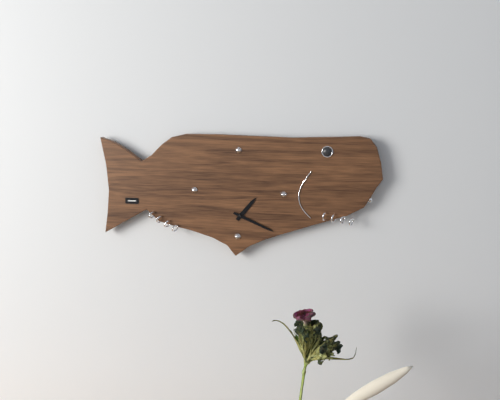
1.19
